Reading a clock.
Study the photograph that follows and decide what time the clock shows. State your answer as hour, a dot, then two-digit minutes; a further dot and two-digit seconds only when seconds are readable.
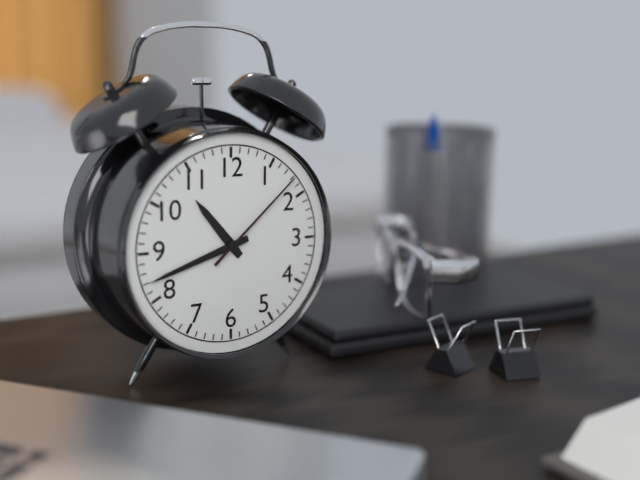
10.42.08
